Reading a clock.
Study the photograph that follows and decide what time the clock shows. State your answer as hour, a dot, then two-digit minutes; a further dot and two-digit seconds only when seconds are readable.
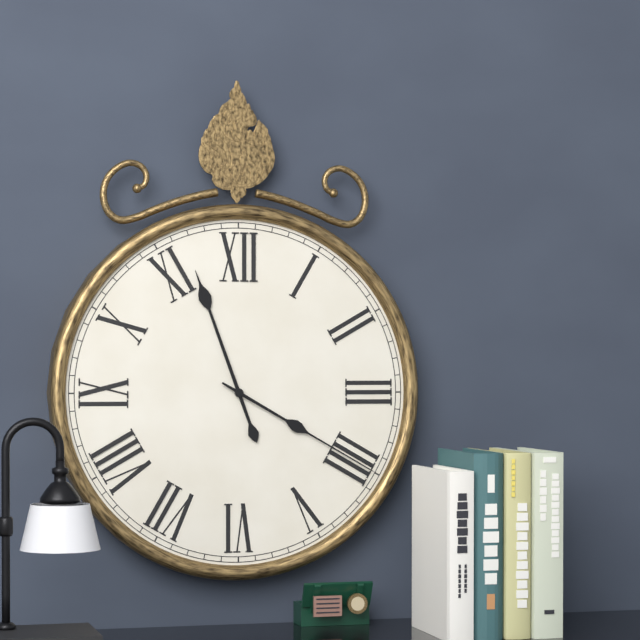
11.20
